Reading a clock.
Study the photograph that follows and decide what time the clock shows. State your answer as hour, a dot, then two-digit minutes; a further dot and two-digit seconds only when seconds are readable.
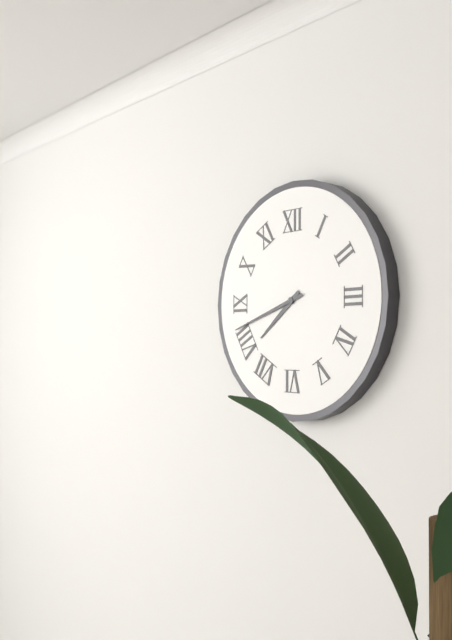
7.42
